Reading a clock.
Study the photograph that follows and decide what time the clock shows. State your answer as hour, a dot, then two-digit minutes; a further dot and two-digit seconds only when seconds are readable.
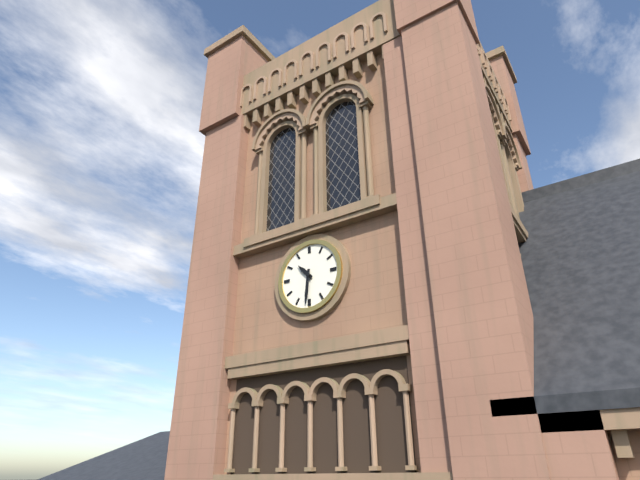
10.31
